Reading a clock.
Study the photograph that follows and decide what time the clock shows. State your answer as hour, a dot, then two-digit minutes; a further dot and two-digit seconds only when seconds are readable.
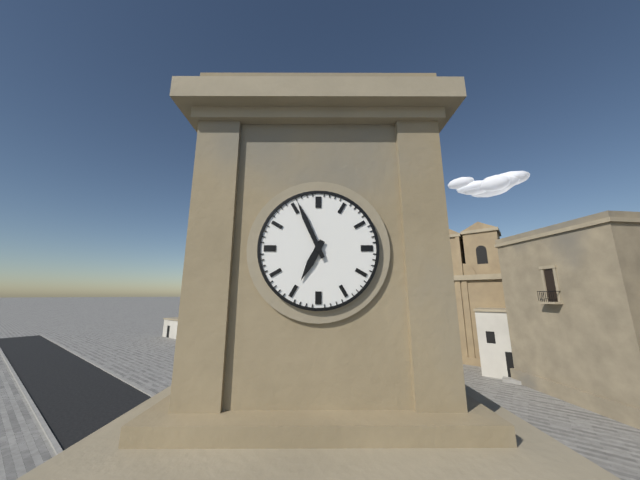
6.56
